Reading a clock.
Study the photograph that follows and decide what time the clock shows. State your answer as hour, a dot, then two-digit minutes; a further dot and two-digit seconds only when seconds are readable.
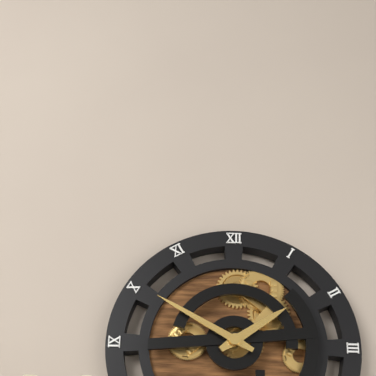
1.50
